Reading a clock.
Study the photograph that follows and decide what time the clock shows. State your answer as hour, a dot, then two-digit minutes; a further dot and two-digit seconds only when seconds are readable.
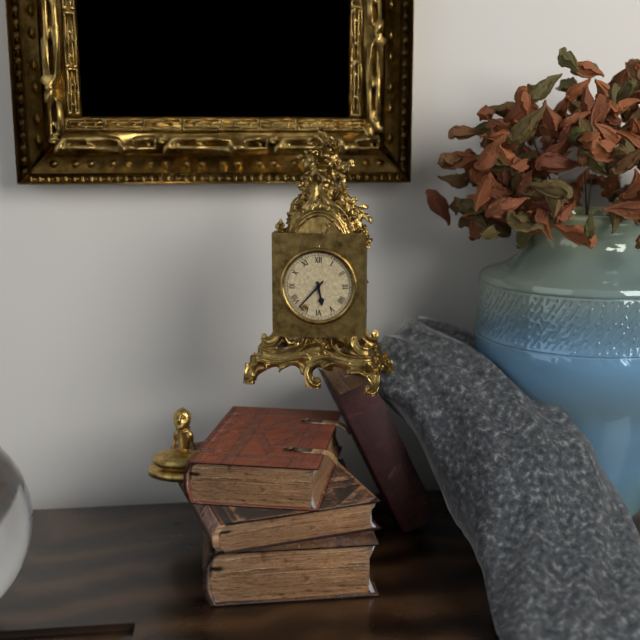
5.37
